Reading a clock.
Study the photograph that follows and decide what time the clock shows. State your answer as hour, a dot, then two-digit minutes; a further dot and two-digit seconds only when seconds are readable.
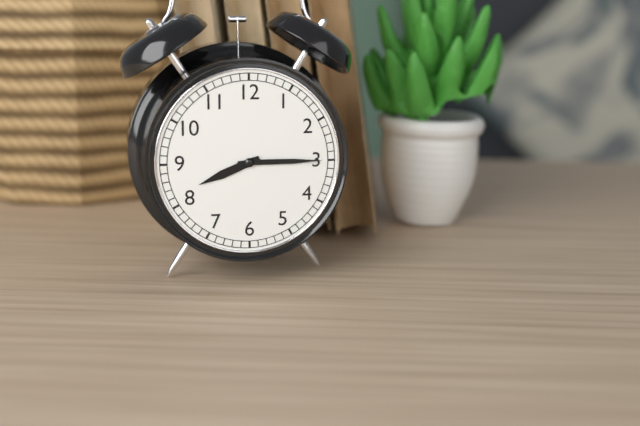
8.15
